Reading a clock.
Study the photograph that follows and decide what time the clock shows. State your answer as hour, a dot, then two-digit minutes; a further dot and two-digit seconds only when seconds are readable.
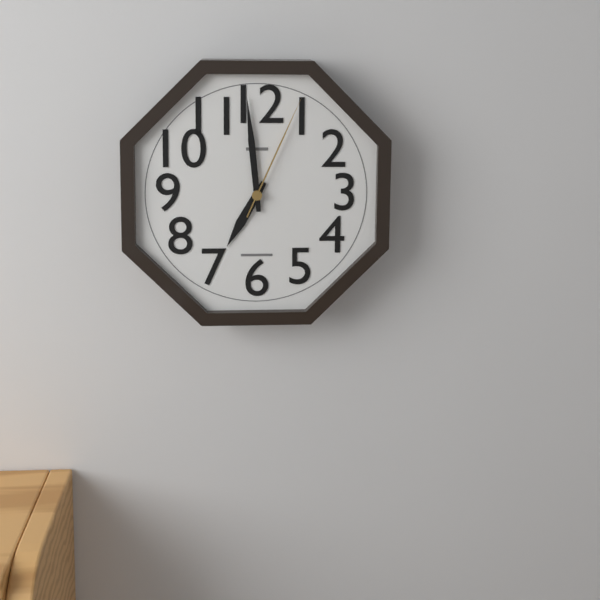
6.59.04
